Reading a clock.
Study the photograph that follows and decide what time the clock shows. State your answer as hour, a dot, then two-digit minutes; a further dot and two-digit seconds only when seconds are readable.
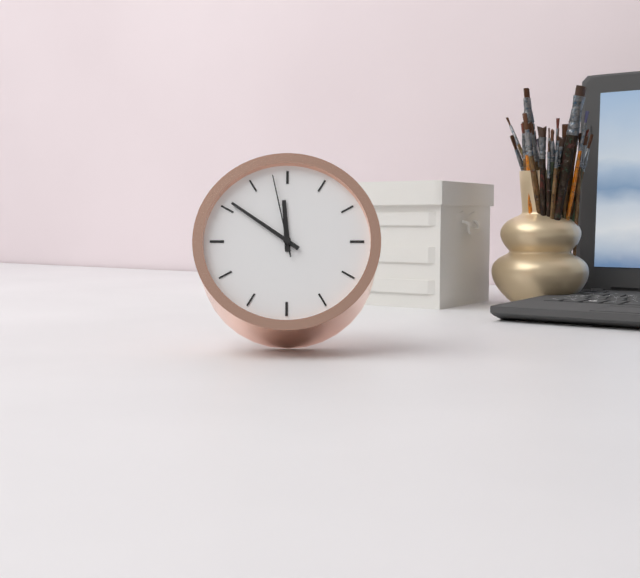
11.51.58
